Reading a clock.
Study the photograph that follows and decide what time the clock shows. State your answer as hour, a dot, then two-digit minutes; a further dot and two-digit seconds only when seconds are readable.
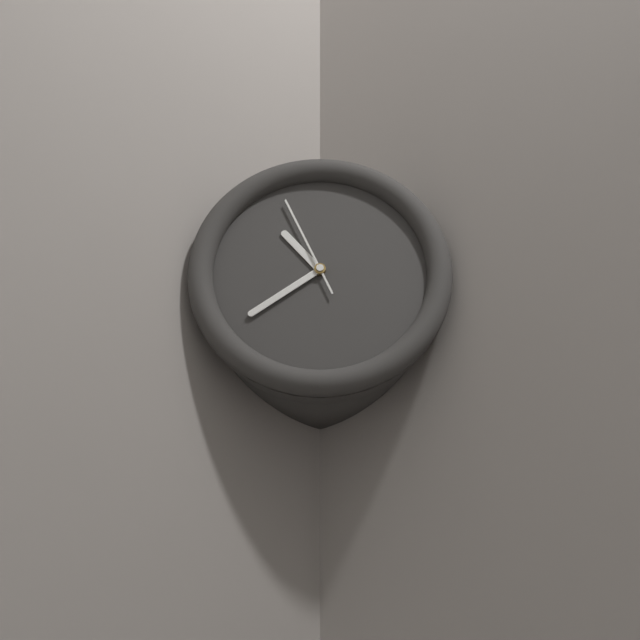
10.39.56
